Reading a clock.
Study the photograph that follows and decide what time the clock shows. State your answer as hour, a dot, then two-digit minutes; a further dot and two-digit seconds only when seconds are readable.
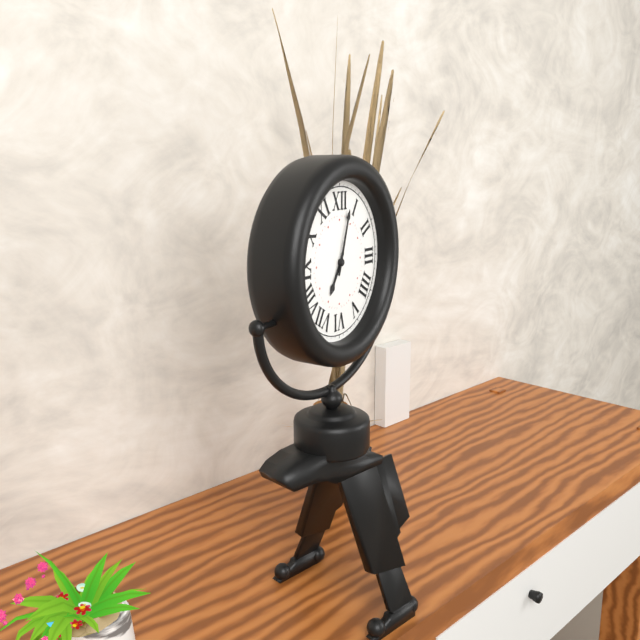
7.03
